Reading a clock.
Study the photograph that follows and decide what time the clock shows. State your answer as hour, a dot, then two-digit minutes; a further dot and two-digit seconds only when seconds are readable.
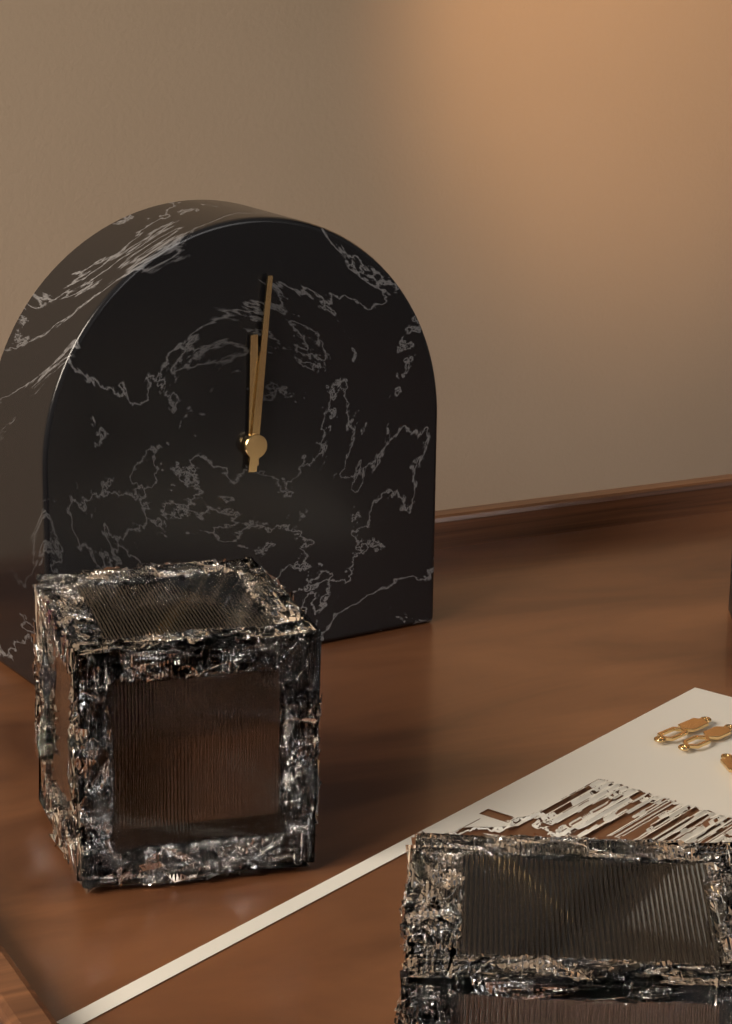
12.01
